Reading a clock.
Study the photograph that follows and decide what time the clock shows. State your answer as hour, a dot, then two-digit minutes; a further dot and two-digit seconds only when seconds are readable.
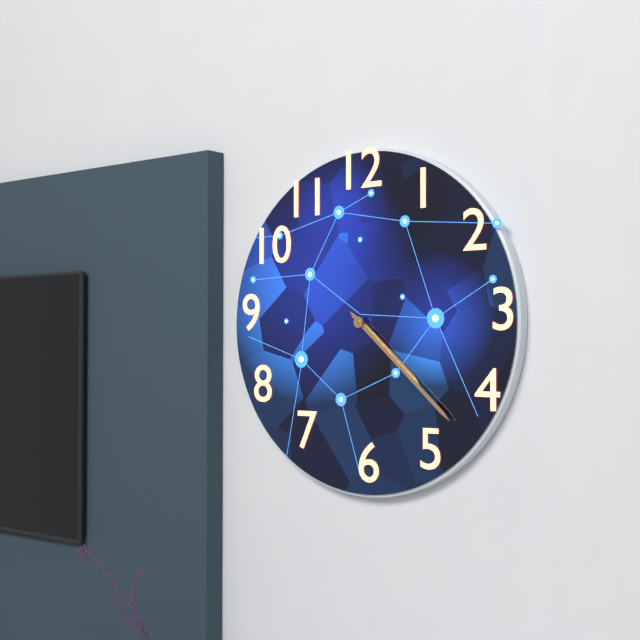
4.22
